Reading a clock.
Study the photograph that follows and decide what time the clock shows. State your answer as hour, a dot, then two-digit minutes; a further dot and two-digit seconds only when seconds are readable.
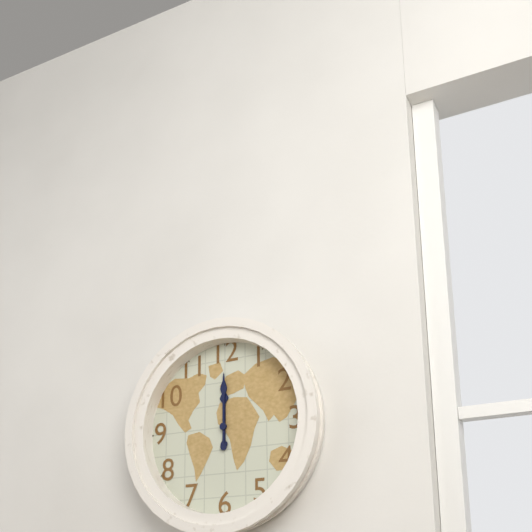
12.00
